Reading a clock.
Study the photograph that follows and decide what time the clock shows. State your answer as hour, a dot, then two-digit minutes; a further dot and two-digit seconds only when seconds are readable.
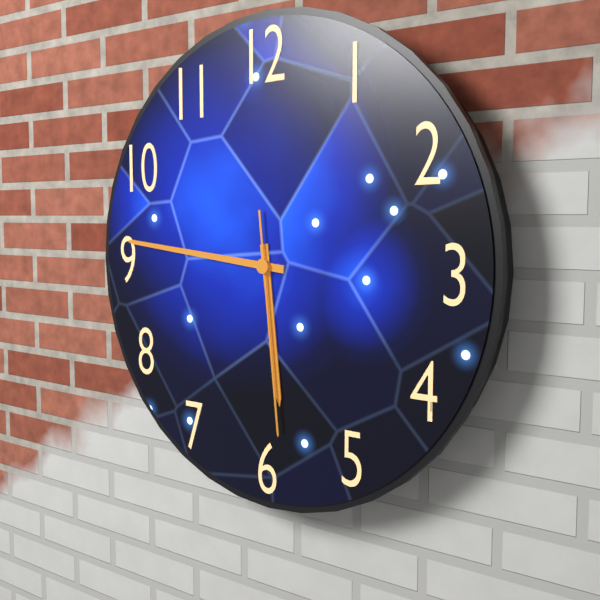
5.46.29
